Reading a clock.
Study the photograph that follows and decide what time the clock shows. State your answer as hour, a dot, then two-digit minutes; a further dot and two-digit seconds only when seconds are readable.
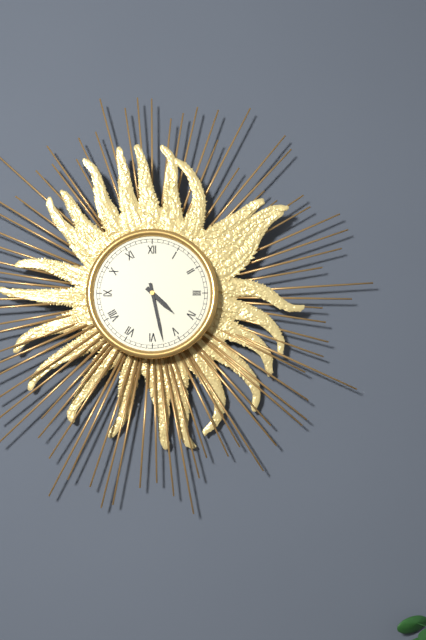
4.28
